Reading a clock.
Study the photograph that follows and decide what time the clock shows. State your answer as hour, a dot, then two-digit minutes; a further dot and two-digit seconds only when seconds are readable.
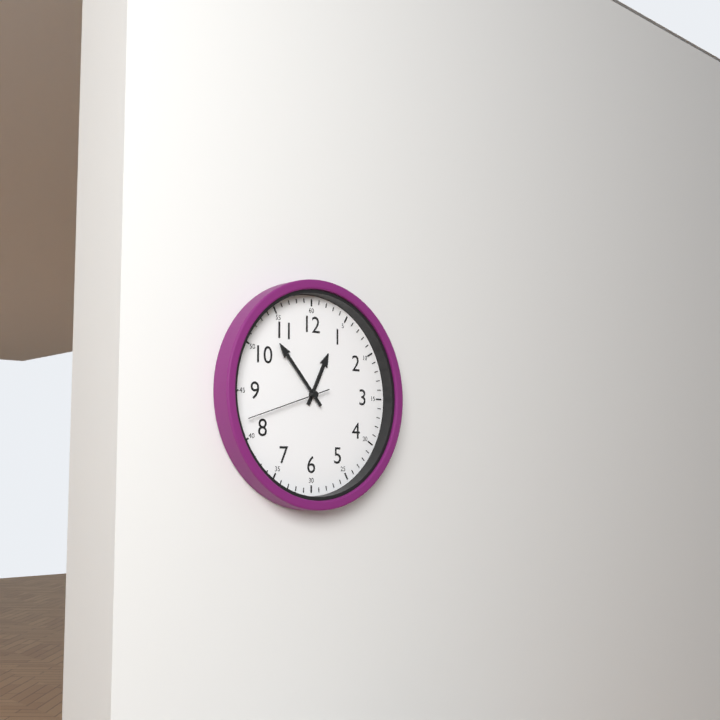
12.53.42
